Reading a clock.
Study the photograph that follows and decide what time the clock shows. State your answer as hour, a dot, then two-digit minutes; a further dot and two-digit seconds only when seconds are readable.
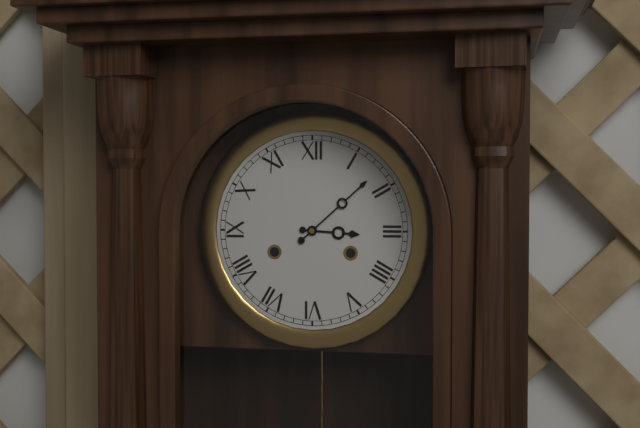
3.08
